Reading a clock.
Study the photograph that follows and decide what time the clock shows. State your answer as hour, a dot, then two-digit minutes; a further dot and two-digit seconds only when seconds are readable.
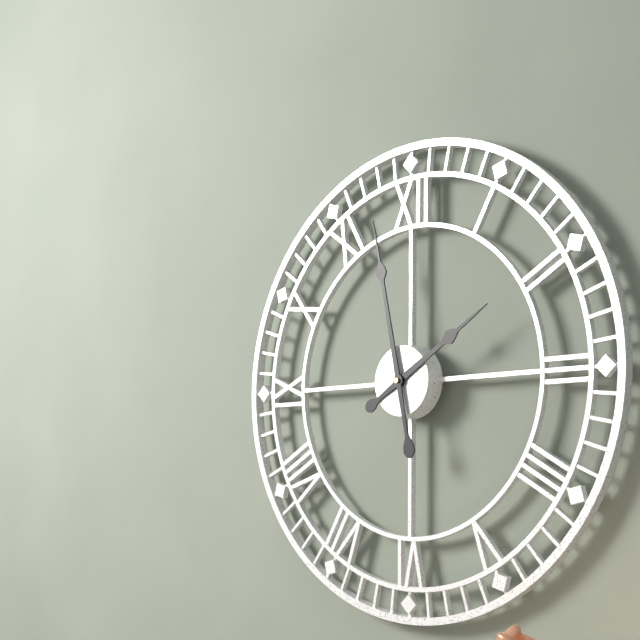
1.58
